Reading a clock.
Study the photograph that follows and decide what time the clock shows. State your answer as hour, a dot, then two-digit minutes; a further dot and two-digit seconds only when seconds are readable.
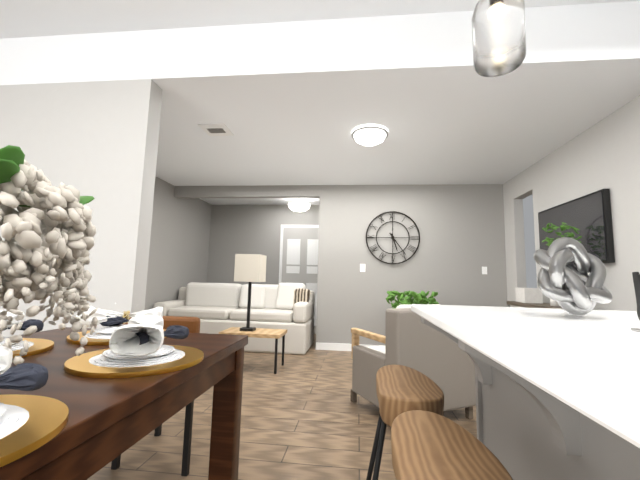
5.24
